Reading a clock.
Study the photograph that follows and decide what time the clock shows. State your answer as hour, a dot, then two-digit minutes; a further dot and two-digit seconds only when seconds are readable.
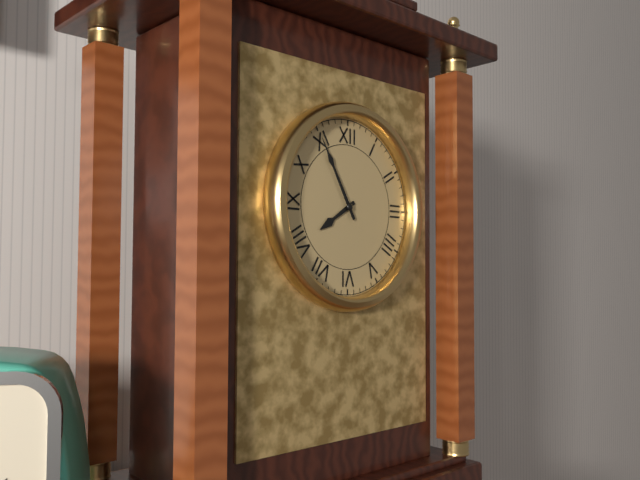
7.55
